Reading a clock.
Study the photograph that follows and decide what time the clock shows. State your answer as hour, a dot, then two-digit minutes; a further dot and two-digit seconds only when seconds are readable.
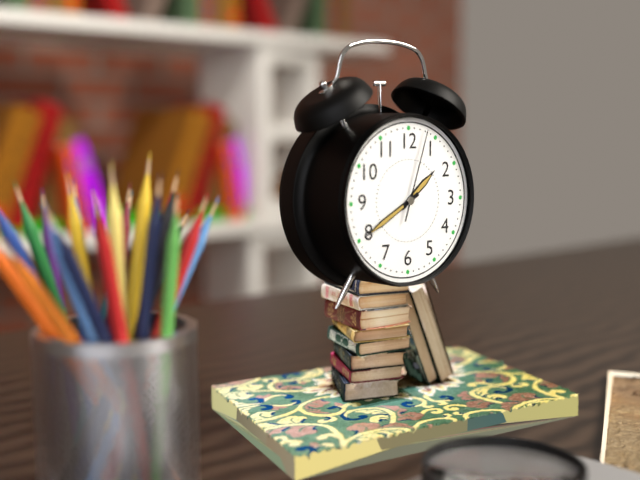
1.40.03
